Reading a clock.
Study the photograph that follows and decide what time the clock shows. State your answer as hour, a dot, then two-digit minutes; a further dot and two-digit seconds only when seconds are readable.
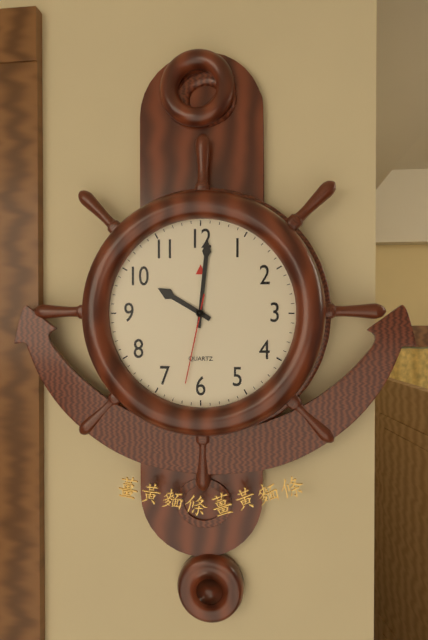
10.01.32
